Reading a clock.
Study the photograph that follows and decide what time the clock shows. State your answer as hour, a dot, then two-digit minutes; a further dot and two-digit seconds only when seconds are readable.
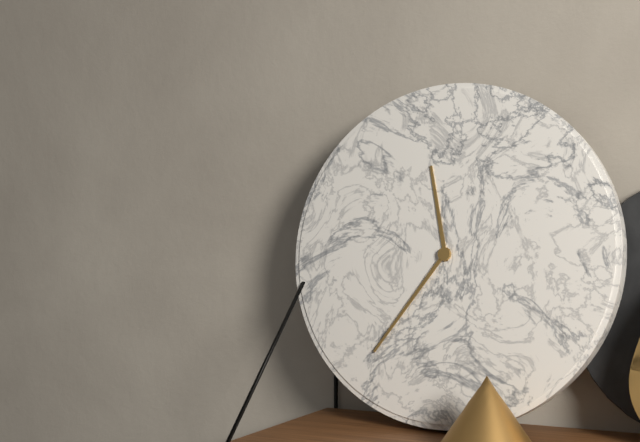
11.36
